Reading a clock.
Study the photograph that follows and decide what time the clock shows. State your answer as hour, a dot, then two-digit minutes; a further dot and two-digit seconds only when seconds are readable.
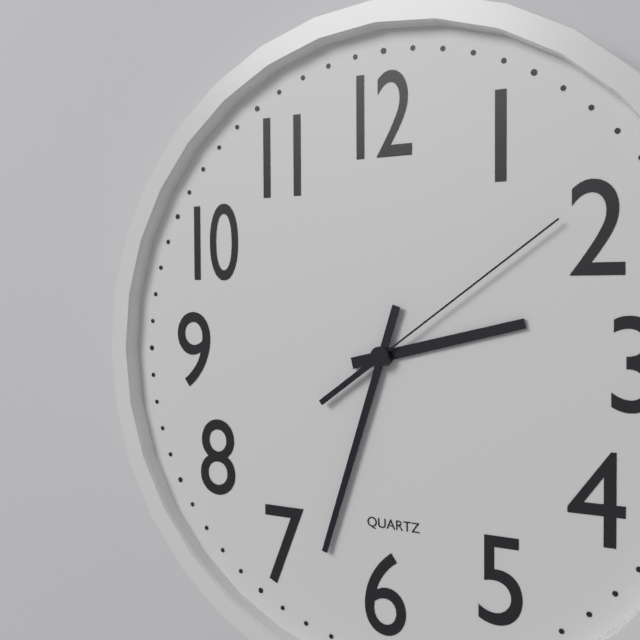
2.33.09
